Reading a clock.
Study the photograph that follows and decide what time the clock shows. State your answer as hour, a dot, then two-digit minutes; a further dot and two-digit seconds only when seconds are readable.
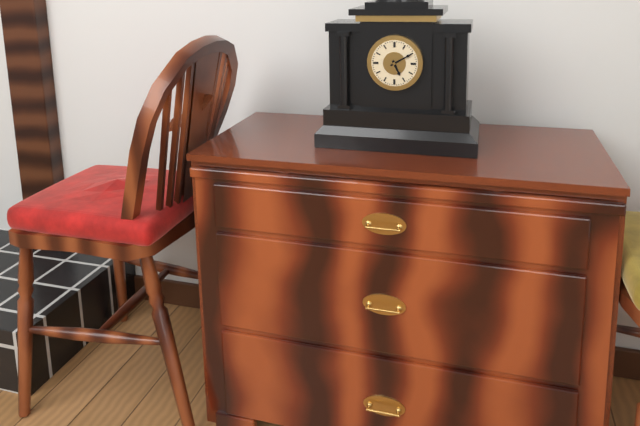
5.10
